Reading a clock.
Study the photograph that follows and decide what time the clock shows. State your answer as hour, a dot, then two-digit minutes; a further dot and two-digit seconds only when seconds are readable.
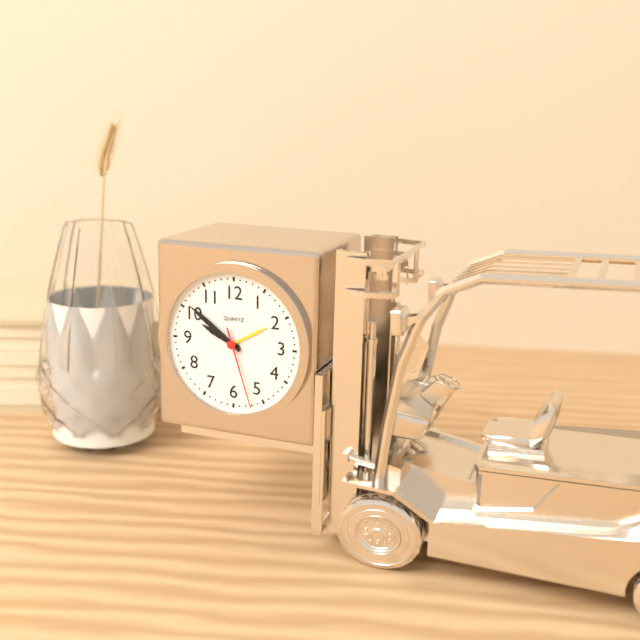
9.51.27
